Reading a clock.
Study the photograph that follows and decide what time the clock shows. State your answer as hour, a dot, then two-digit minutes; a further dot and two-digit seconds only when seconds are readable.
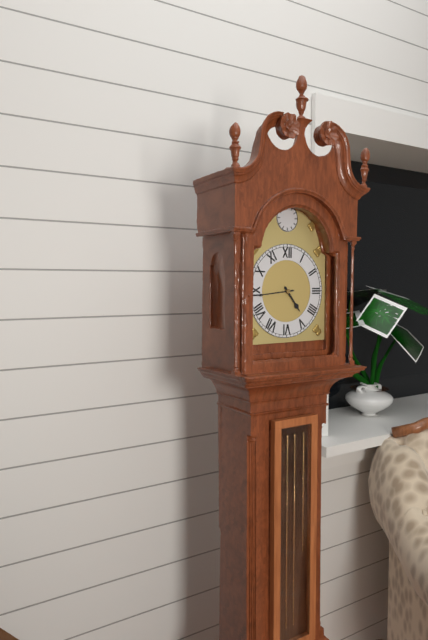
4.44
